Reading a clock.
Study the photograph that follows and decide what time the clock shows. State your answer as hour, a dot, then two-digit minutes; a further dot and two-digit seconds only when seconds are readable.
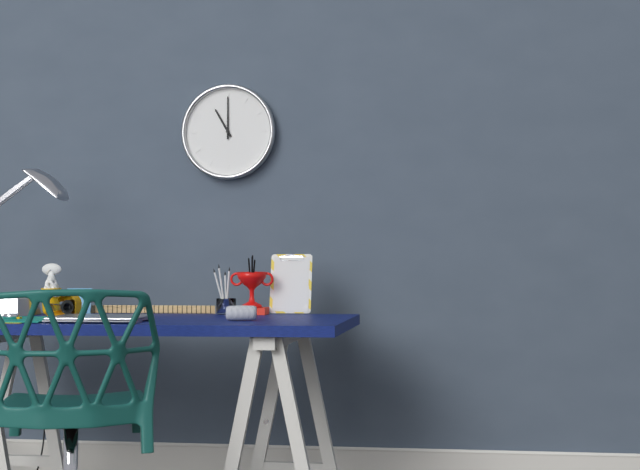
11.00
